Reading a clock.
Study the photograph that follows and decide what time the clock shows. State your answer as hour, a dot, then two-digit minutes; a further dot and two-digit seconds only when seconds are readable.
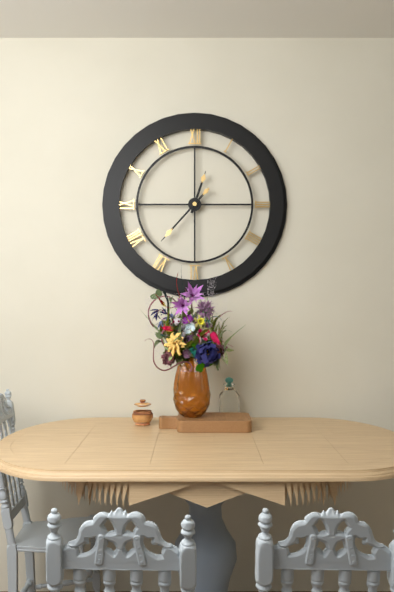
12.37
